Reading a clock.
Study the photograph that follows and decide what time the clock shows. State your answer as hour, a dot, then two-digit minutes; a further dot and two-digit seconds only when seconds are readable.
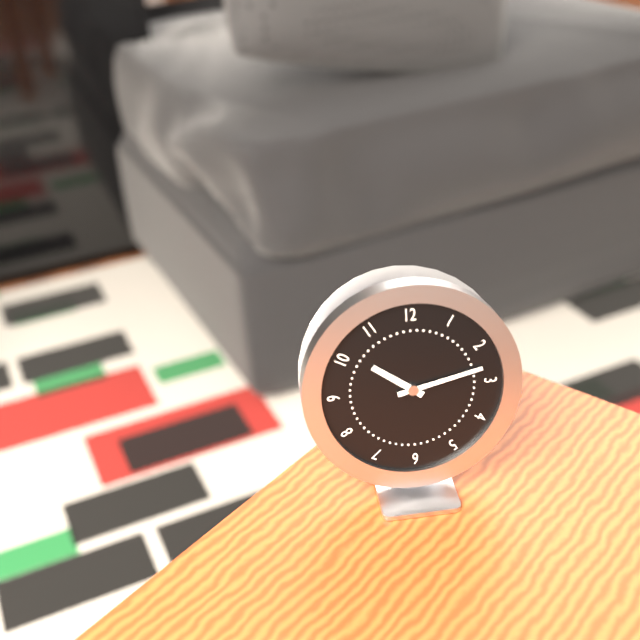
10.13
